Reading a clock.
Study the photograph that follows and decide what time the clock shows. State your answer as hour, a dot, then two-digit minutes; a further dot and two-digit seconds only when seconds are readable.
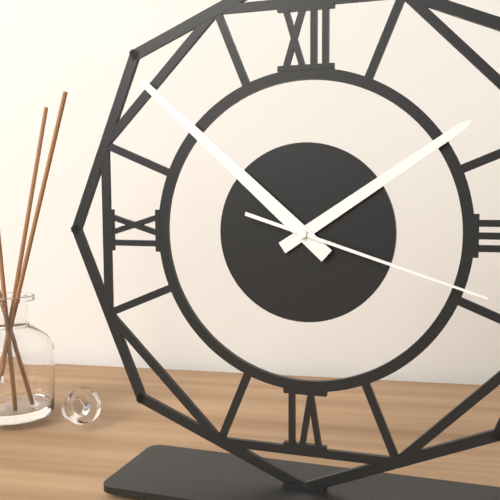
1.52.18
